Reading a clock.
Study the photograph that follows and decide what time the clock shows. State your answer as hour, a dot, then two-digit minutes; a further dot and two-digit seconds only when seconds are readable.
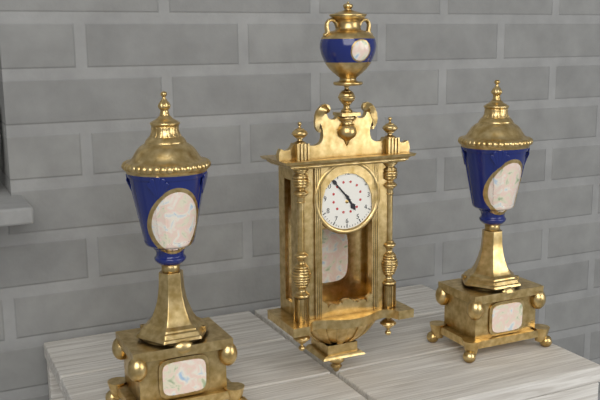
4.53
